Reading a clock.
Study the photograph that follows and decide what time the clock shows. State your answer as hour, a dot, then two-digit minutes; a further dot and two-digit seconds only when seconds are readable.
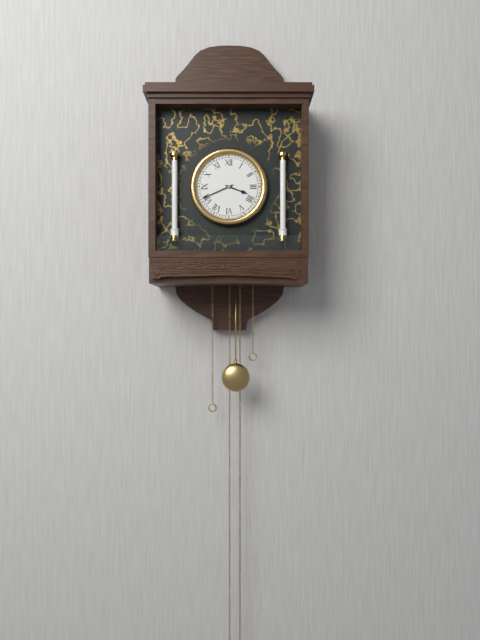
3.41
